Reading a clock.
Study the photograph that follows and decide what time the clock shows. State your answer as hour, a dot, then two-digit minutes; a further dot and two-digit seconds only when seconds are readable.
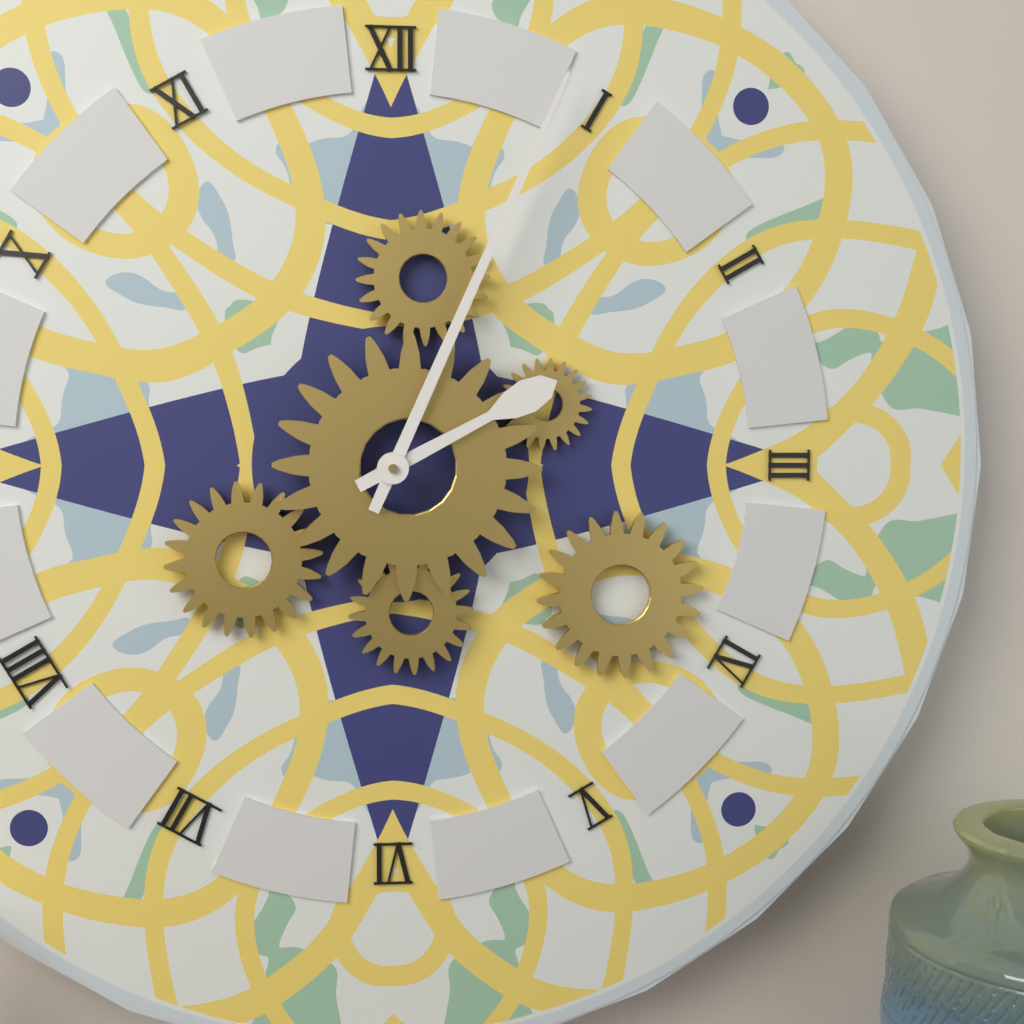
2.04
